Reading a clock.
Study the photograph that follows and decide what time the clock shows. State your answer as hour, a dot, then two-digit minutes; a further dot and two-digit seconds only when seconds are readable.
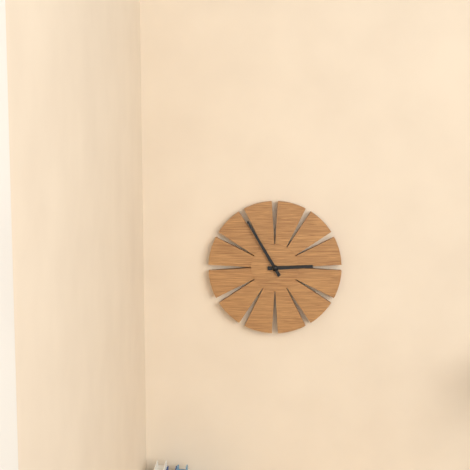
2.55
